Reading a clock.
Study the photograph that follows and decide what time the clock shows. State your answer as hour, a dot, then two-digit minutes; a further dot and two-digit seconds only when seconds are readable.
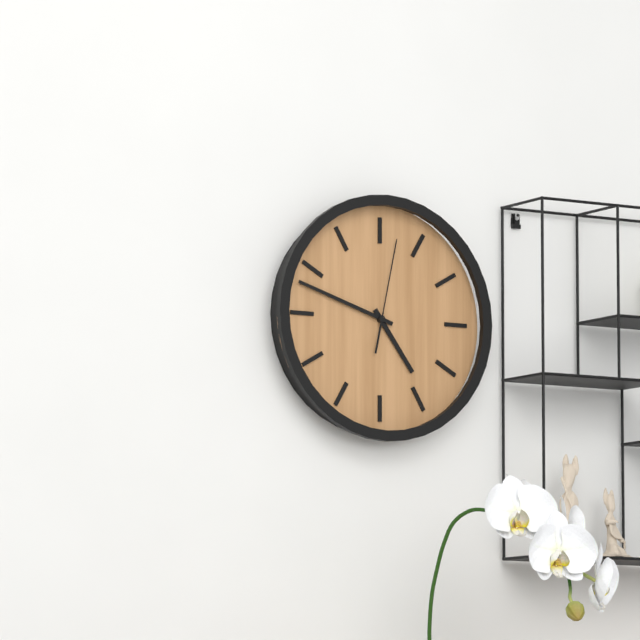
4.48.02
